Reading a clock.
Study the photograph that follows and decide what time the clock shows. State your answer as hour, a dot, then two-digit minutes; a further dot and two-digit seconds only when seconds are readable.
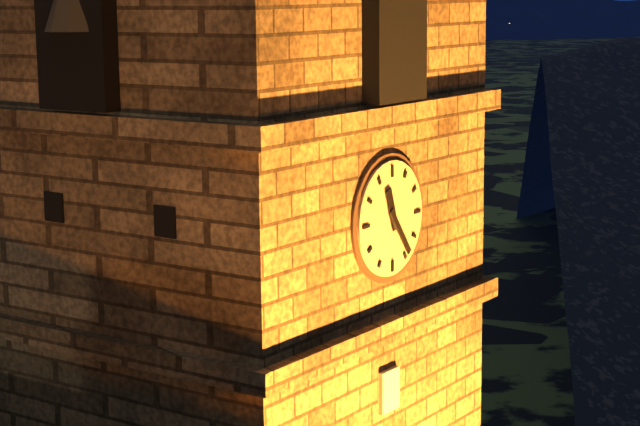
11.24
